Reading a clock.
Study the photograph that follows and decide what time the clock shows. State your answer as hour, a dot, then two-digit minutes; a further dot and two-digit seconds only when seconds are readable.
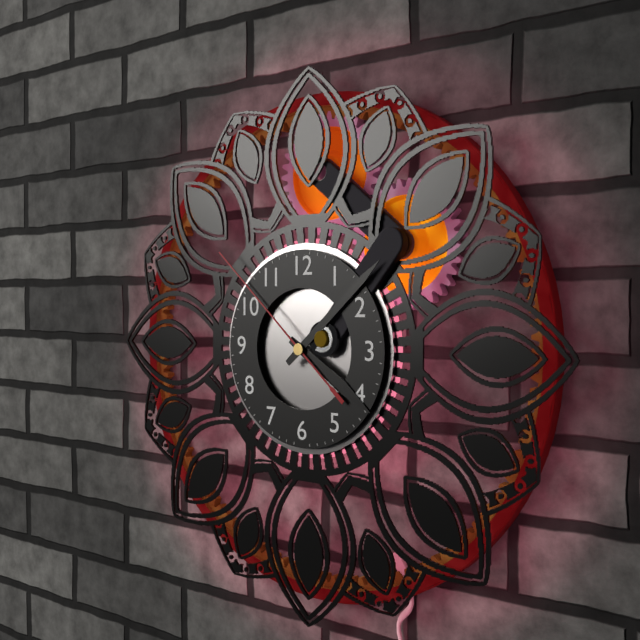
4.08.52
